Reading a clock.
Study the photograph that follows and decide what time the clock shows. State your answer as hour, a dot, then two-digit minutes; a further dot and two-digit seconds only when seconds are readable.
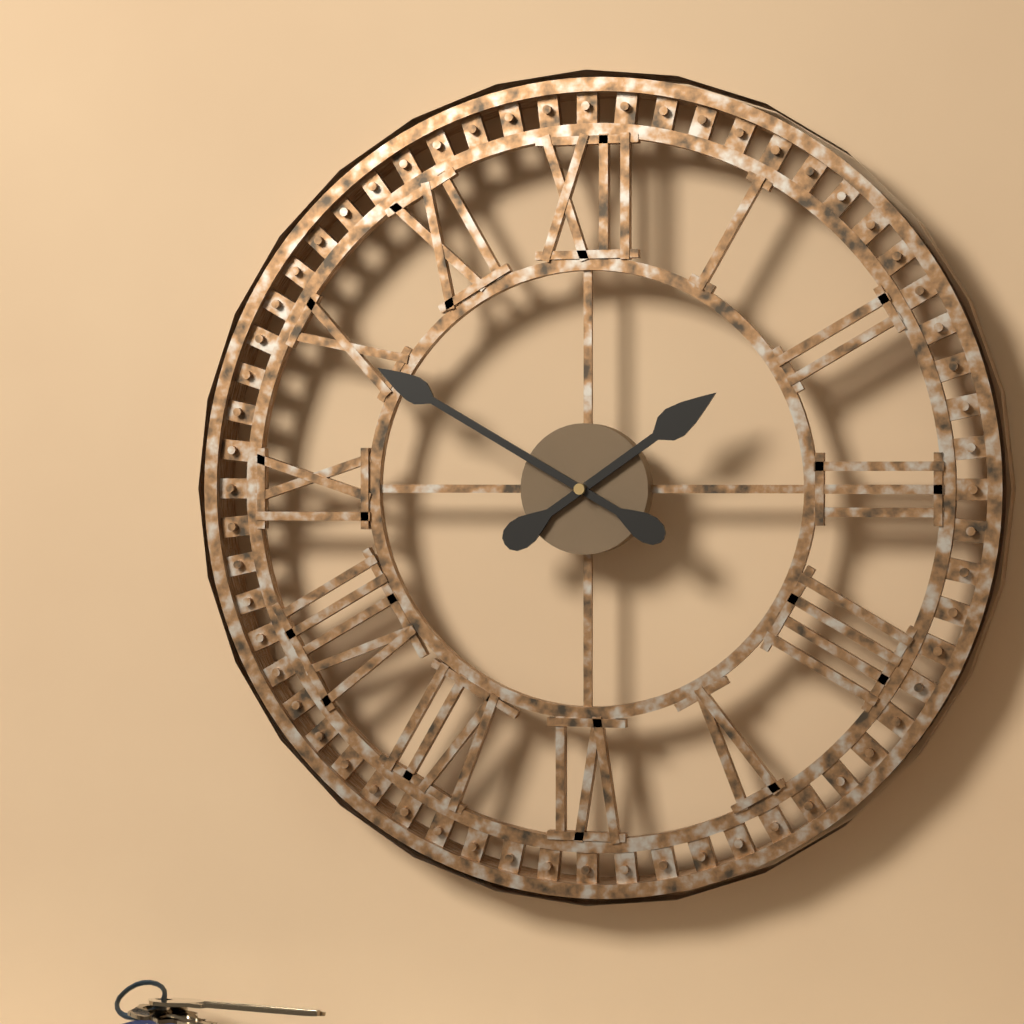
1.50
